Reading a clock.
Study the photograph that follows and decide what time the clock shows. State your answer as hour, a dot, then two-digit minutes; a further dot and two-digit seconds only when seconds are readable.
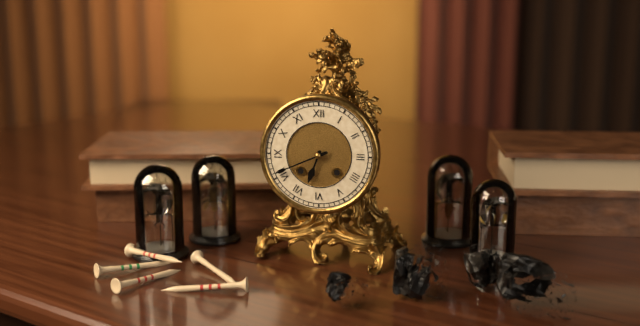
6.41
